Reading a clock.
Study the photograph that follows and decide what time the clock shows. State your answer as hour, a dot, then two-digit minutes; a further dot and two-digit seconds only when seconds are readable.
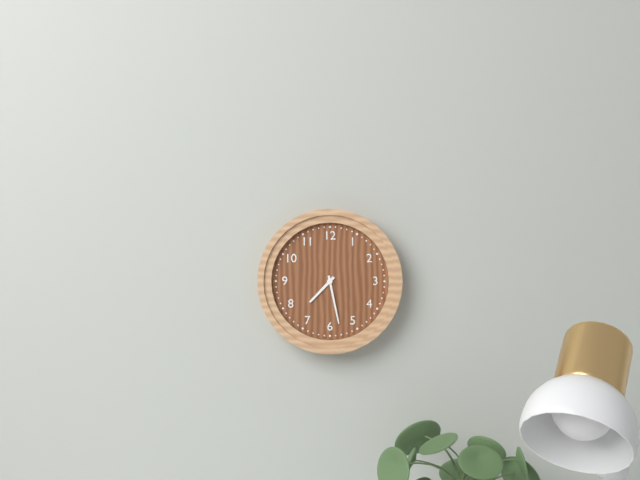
7.28
